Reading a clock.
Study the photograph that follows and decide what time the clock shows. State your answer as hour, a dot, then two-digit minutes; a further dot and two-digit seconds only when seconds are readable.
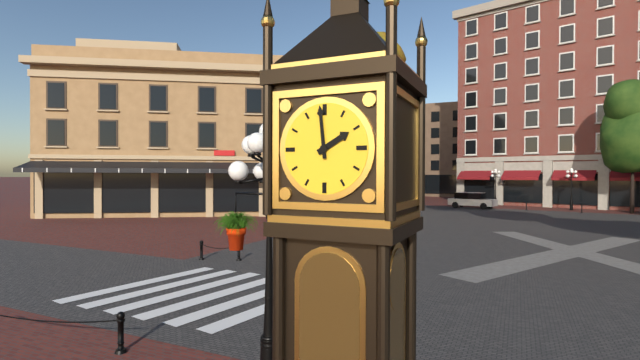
1.59
